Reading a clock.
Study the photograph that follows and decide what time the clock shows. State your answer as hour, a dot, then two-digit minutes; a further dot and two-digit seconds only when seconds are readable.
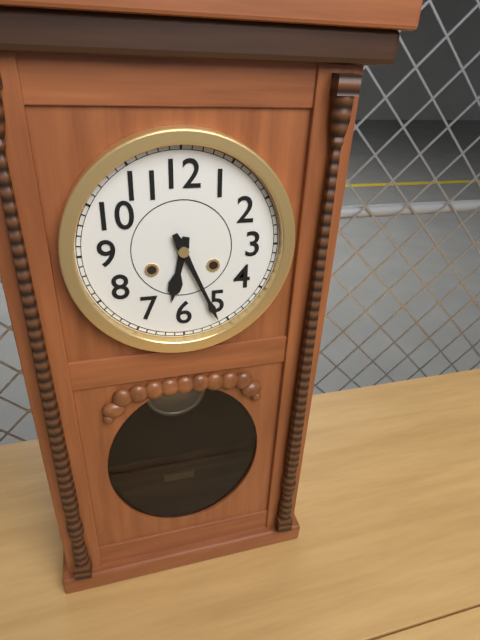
6.26
